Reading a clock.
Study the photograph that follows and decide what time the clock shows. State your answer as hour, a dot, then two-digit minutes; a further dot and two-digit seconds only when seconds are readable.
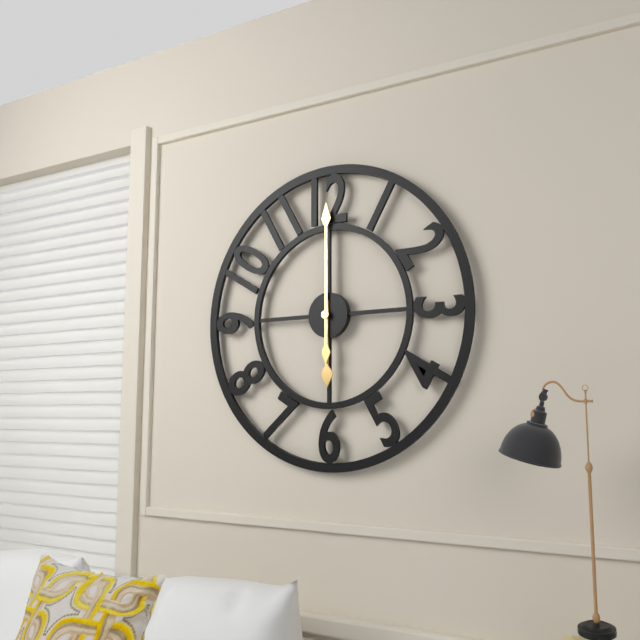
6.00
